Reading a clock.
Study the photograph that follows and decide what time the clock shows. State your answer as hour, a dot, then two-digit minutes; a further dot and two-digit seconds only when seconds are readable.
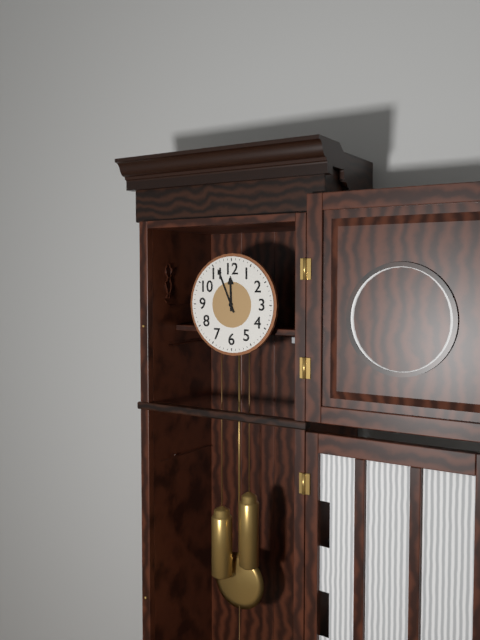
11.56
